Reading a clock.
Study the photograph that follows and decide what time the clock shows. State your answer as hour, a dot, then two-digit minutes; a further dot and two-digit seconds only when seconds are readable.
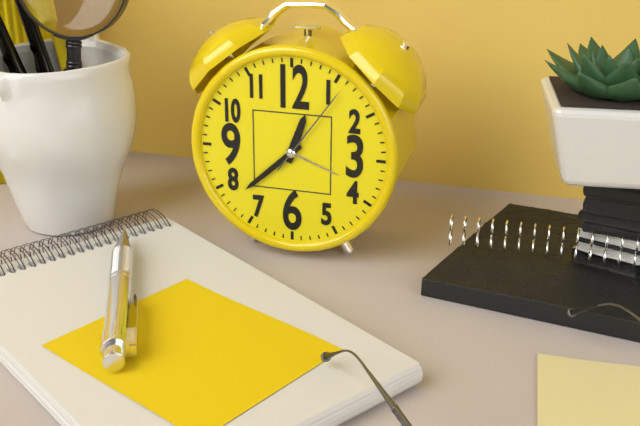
12.38.06
